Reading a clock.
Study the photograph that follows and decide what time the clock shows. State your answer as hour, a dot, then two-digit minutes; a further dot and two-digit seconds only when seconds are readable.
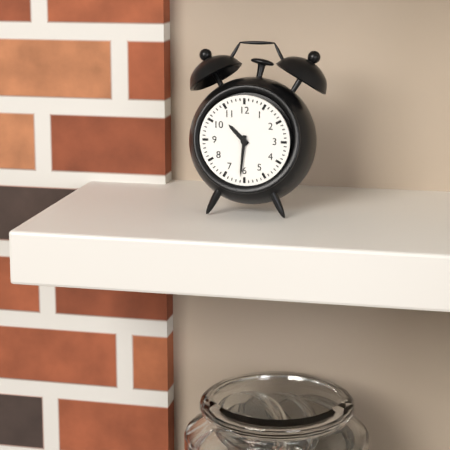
10.31
